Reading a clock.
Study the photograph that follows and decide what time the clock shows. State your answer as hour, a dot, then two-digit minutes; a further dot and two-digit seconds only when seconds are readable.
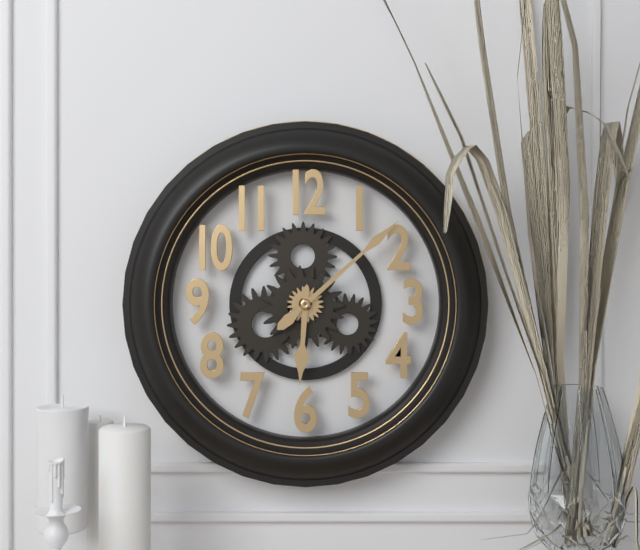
6.08
